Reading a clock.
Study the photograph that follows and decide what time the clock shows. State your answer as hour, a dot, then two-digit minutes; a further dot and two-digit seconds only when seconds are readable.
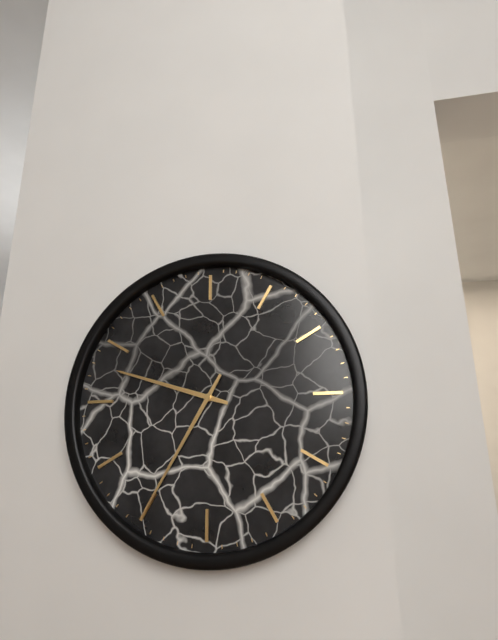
9.35
